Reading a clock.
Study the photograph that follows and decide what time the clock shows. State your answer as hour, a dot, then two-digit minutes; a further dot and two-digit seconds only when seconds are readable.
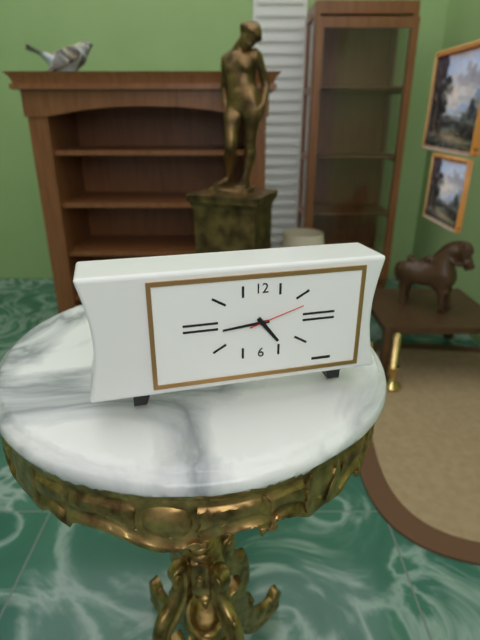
4.44.12
